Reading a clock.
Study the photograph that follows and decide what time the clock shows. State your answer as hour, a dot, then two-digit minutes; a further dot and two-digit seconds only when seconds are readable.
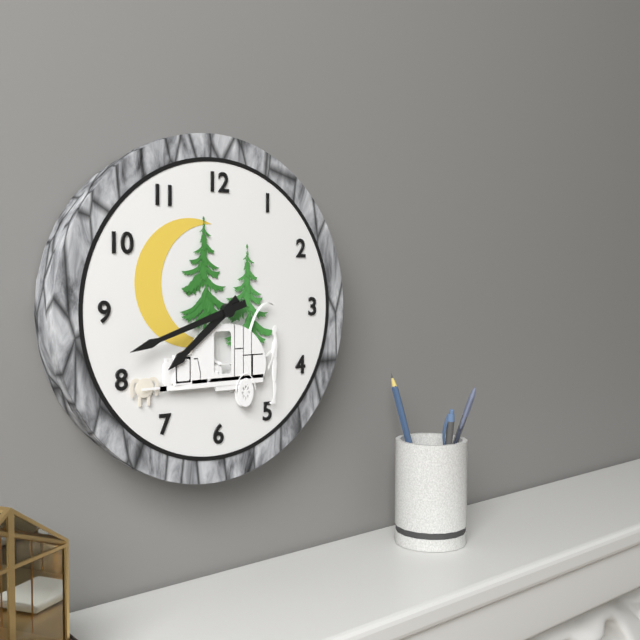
7.42
